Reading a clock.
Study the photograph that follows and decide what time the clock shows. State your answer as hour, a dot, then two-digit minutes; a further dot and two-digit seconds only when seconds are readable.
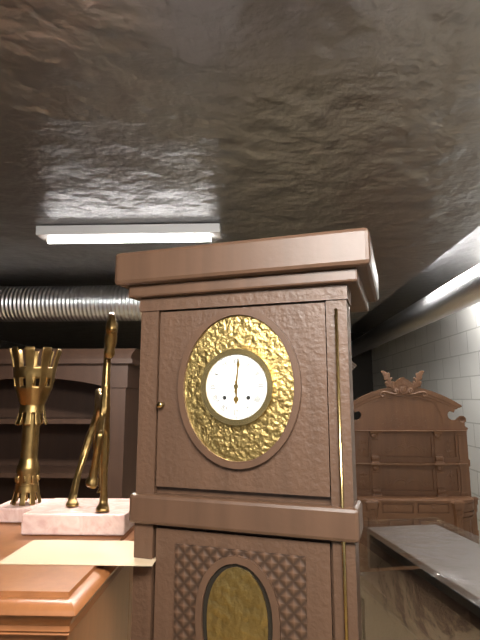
6.01
